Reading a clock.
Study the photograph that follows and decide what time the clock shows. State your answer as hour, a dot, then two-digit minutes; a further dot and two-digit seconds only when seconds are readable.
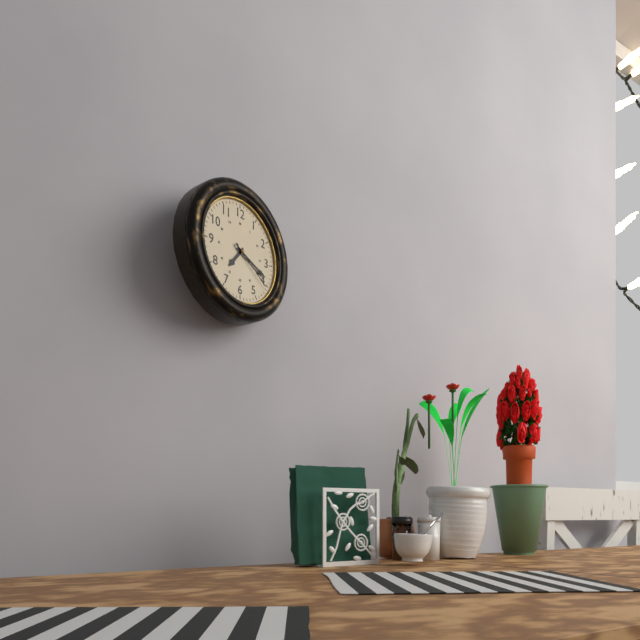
7.19.21
